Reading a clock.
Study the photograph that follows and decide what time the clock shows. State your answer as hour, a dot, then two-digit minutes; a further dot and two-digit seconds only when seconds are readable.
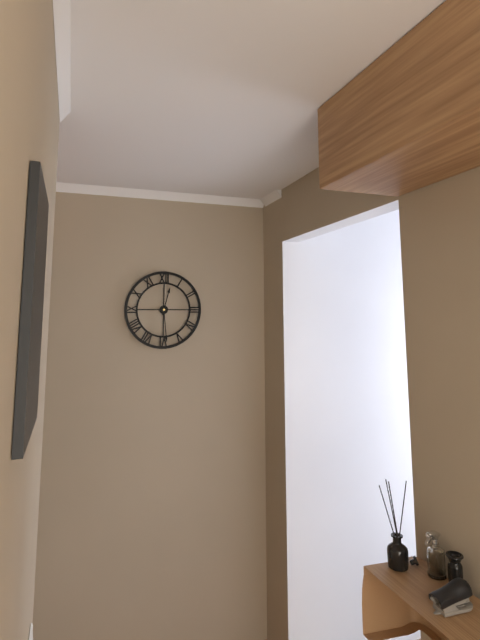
12.29
